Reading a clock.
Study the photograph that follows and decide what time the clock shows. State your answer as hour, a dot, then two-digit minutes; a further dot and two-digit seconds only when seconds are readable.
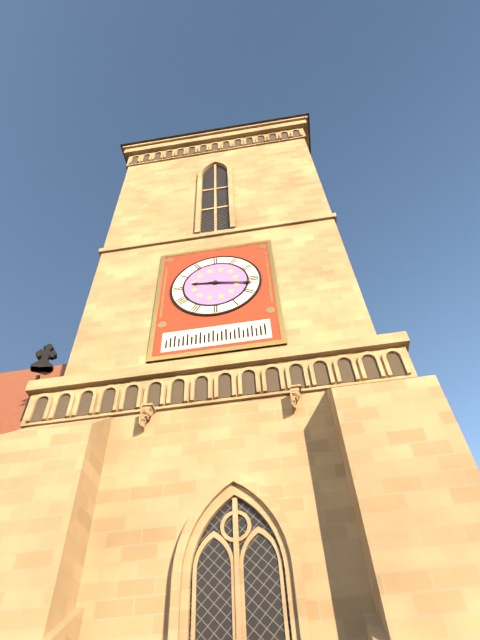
9.17
